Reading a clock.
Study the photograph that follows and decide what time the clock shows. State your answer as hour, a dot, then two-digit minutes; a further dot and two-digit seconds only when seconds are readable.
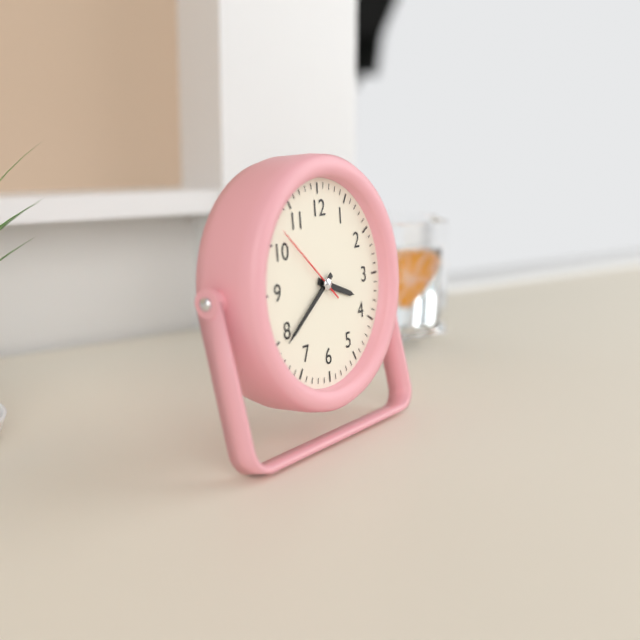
3.39.52
